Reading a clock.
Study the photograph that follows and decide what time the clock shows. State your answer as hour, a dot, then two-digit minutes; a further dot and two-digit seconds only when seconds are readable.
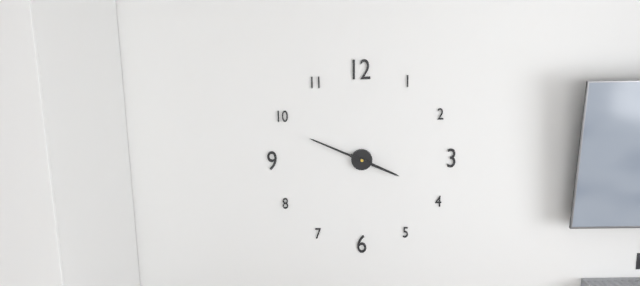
3.49
